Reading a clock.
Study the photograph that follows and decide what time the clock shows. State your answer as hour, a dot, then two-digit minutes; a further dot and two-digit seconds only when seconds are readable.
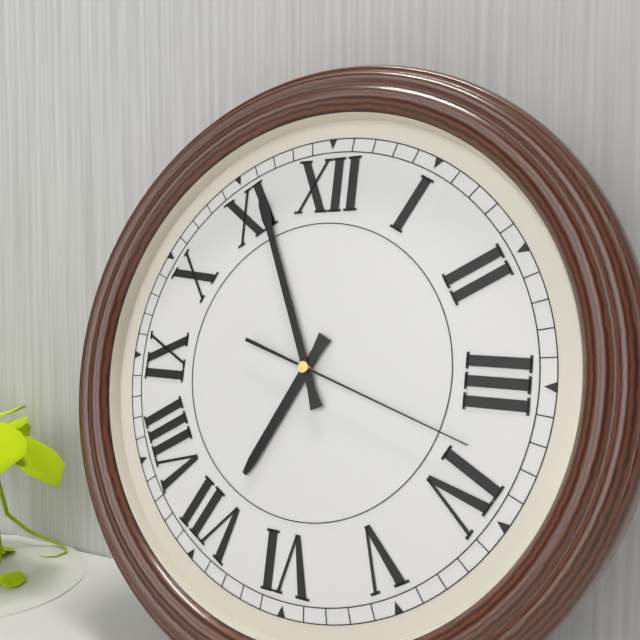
6.56.18
